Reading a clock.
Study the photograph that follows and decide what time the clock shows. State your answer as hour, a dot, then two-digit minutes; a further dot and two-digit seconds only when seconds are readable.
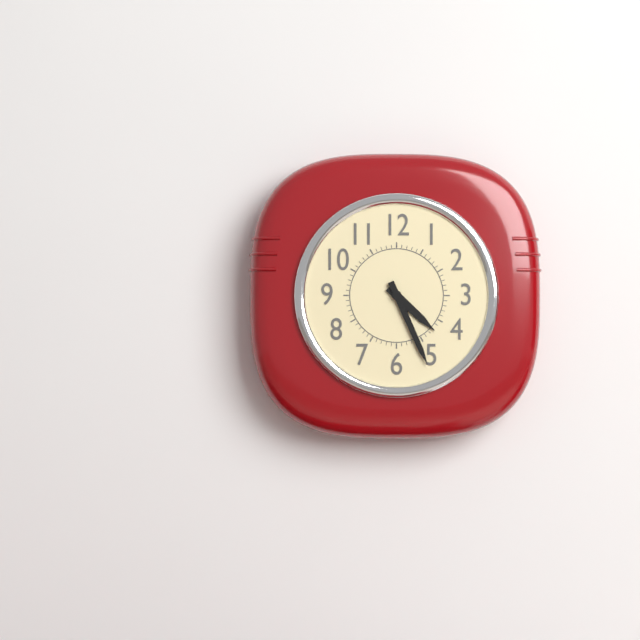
4.26
